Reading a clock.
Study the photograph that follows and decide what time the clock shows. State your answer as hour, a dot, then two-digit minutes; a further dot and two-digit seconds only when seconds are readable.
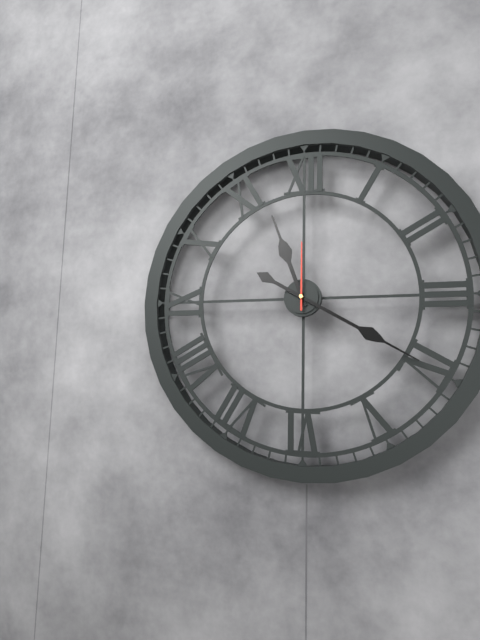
11.20.00
